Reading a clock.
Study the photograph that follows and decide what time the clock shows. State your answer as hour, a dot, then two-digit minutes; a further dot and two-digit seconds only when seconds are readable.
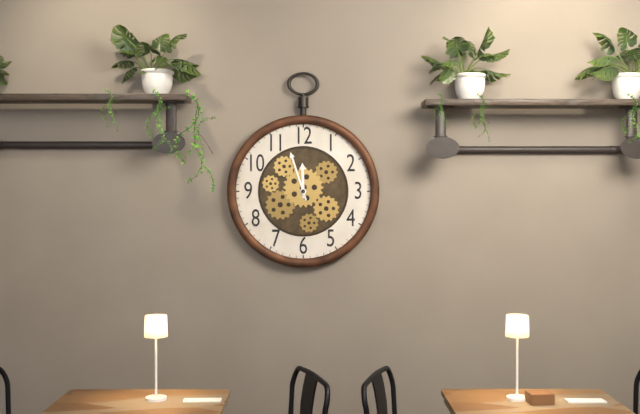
11.57
